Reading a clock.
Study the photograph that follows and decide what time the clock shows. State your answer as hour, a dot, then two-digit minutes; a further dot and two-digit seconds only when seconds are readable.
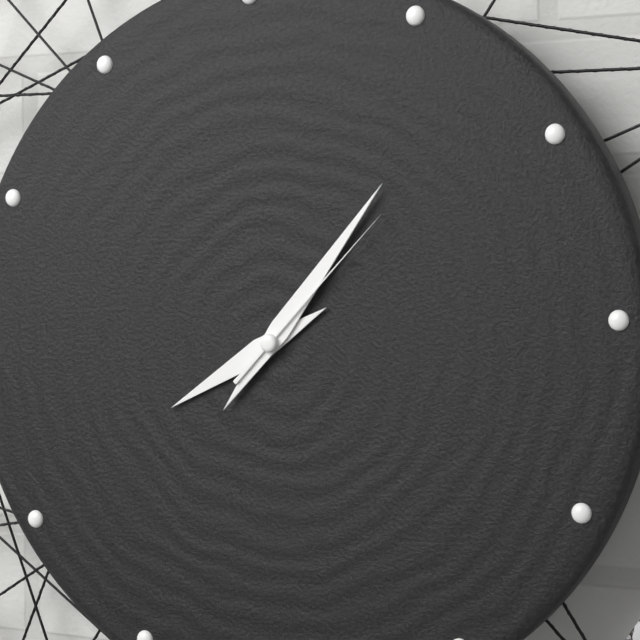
8.07.08
